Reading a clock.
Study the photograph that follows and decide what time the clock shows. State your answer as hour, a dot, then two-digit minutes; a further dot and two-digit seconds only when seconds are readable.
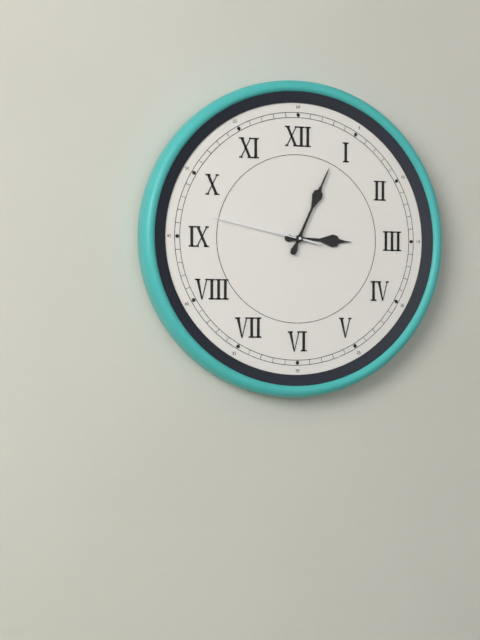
3.04.47
